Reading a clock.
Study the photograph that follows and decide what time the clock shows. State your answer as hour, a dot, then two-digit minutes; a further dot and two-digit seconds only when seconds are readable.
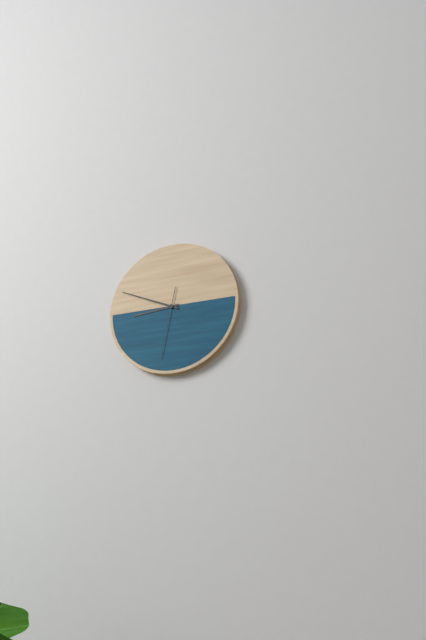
8.49.32
